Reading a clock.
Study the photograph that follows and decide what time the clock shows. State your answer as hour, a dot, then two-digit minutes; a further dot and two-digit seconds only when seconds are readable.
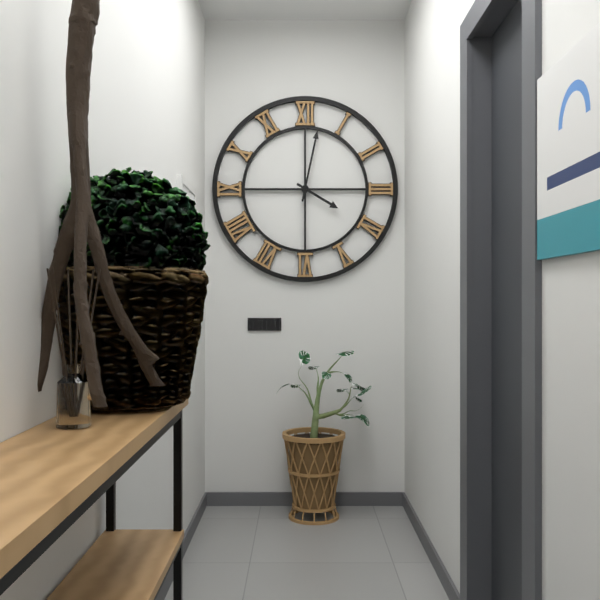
4.02
